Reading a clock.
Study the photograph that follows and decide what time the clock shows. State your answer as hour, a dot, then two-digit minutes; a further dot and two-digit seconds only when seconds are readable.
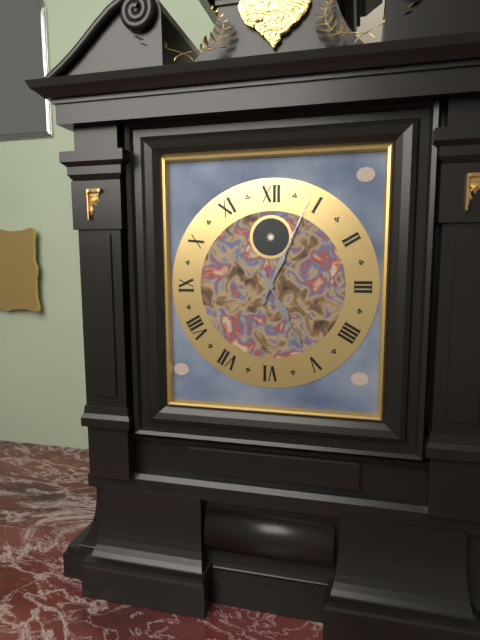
5.04
